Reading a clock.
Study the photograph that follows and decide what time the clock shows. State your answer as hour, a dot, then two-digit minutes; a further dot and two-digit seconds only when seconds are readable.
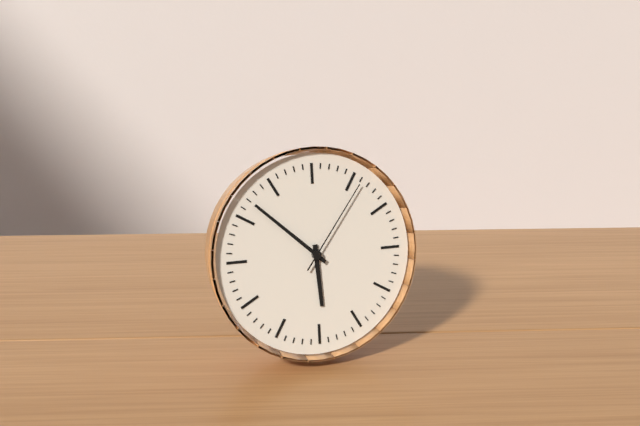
5.52.06
